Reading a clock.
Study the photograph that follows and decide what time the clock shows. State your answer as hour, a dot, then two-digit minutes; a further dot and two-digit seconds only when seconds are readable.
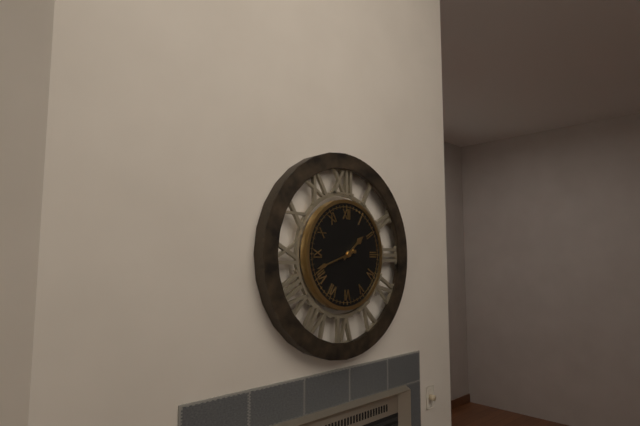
1.42
